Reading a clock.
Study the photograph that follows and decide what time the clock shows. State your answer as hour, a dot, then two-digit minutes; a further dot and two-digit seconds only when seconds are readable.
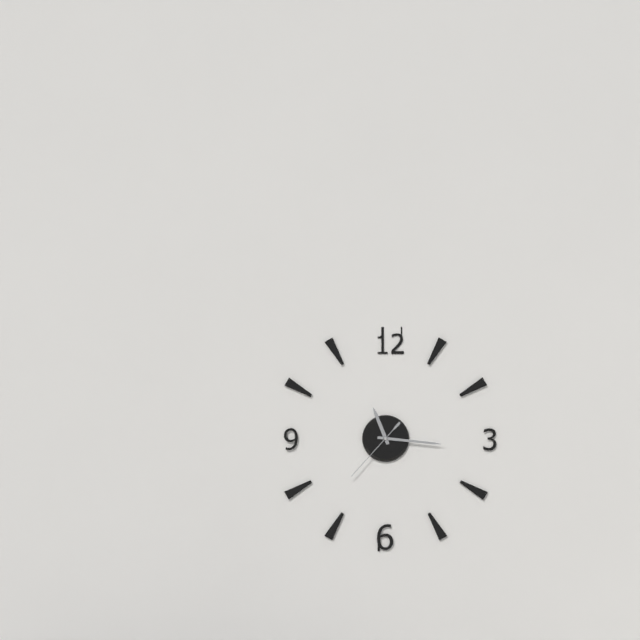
11.16.37
